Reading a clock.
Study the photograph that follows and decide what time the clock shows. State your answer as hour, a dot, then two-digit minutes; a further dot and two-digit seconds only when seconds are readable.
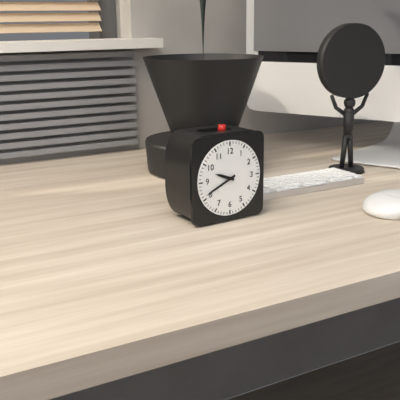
9.41
